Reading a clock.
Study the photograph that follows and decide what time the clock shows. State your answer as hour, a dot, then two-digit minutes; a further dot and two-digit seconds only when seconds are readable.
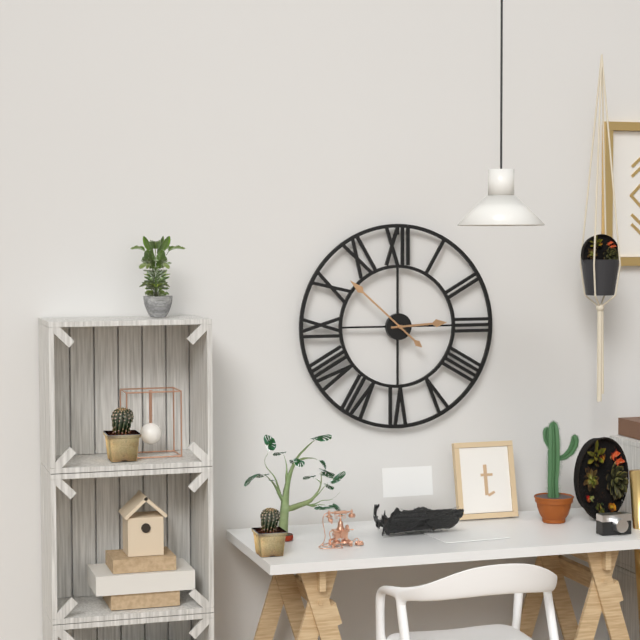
2.52
